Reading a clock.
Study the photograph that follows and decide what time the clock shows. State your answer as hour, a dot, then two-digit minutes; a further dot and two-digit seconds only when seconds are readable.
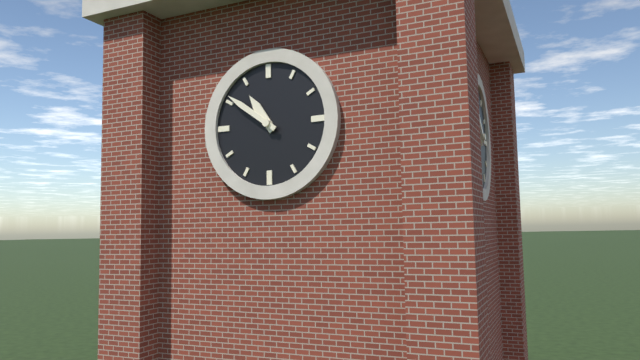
10.51
